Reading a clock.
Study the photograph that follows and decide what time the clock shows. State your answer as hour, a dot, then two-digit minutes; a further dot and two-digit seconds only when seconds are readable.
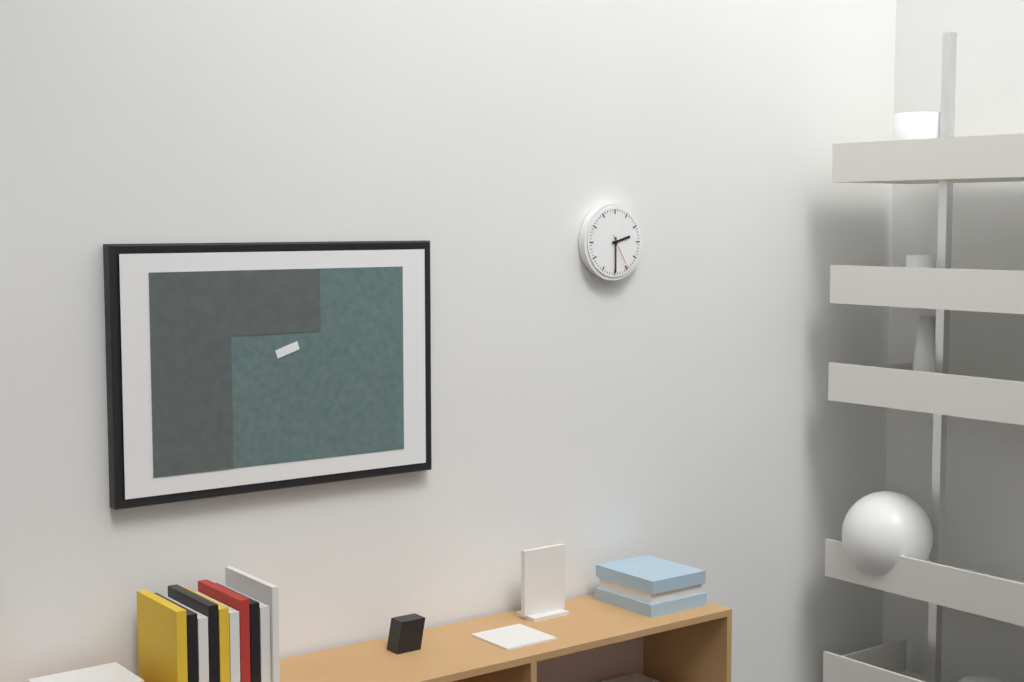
2.30
